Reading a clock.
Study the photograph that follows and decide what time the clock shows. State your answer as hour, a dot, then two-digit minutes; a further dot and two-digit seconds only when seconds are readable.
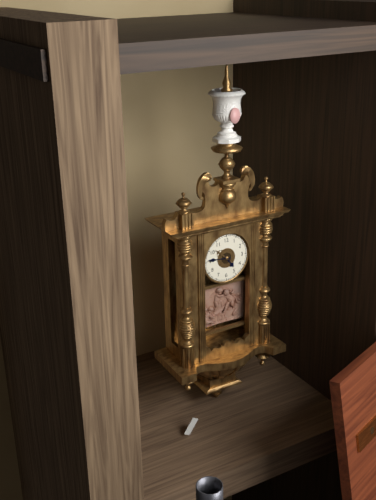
4.46
